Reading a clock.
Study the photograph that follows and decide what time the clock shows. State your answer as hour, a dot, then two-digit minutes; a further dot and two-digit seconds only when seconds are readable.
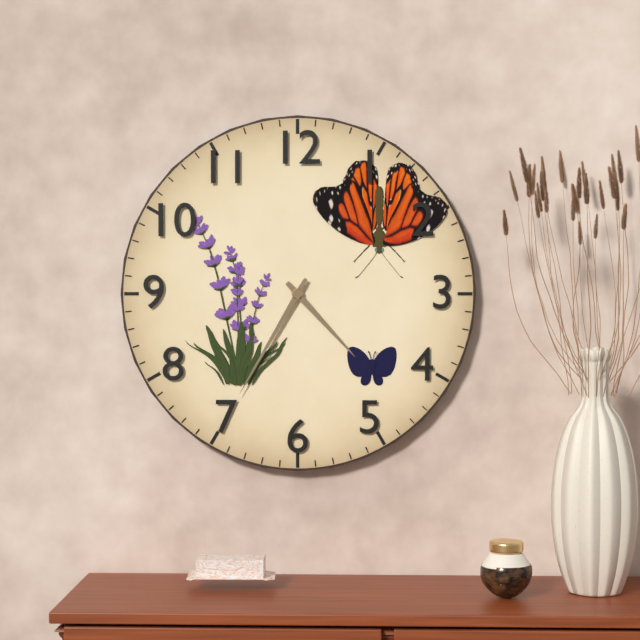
4.35
